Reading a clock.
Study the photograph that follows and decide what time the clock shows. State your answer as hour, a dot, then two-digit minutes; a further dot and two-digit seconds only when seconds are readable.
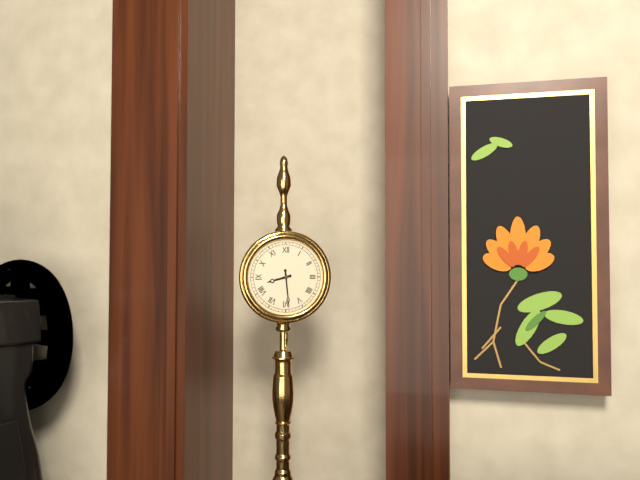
8.29
